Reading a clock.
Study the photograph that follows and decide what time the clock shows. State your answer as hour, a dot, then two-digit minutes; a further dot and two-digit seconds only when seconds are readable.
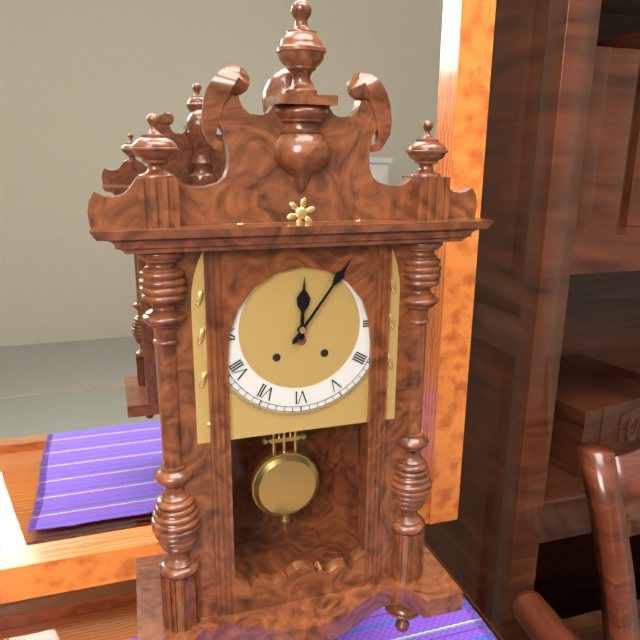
12.06
